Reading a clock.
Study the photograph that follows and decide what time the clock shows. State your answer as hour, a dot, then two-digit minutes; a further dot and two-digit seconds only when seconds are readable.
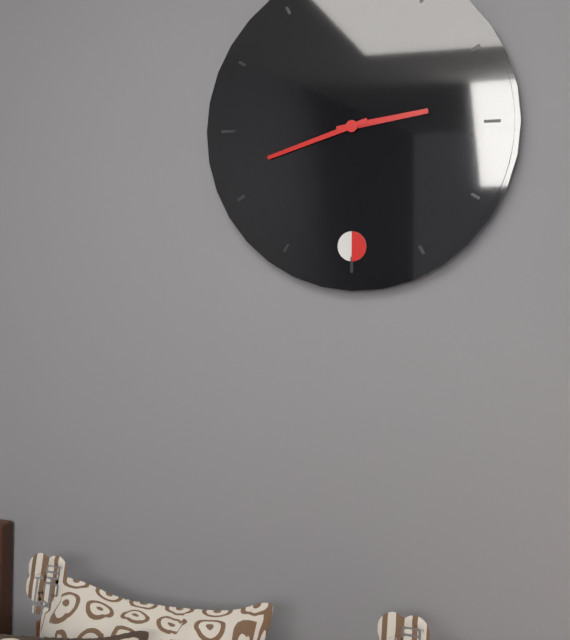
2.42
